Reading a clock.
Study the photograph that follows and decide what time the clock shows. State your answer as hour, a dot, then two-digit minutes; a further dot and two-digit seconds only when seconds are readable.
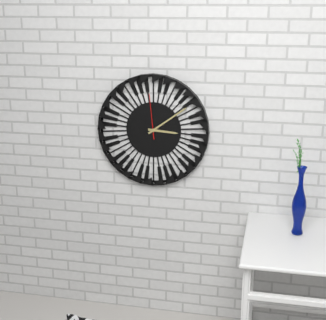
3.09
